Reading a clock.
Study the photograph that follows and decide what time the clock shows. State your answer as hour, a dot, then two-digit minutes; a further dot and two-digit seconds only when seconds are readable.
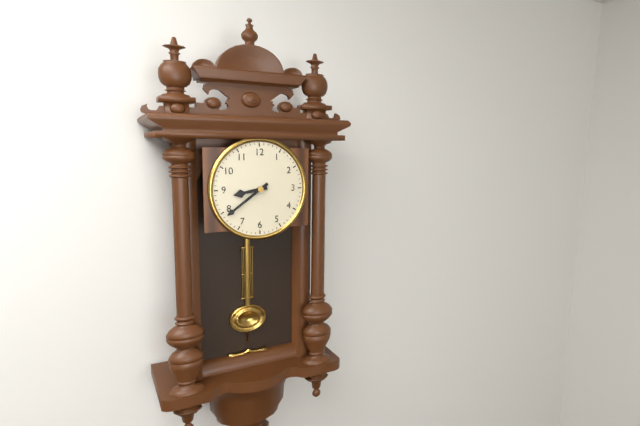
8.39
